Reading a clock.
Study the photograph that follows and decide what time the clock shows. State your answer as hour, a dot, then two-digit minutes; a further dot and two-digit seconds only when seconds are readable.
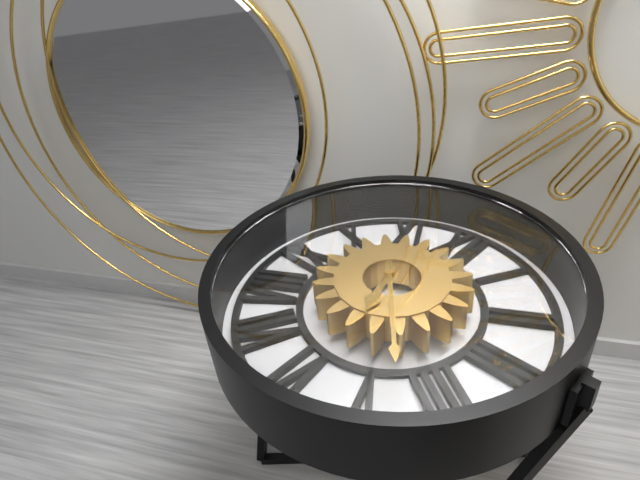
5.23
